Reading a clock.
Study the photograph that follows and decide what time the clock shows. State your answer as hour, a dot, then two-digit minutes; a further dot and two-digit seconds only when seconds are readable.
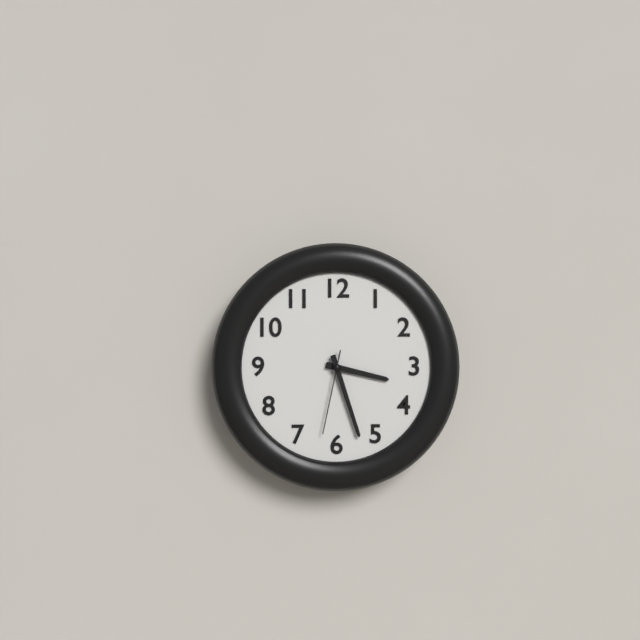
3.27.32
